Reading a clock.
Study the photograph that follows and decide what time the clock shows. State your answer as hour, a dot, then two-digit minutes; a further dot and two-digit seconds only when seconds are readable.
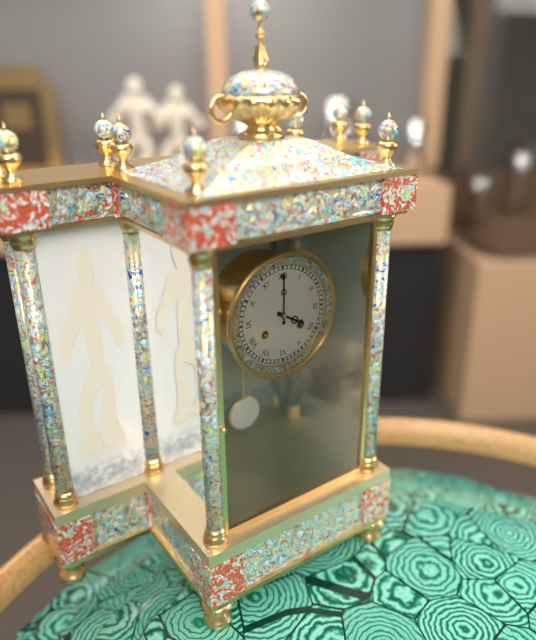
4.00
